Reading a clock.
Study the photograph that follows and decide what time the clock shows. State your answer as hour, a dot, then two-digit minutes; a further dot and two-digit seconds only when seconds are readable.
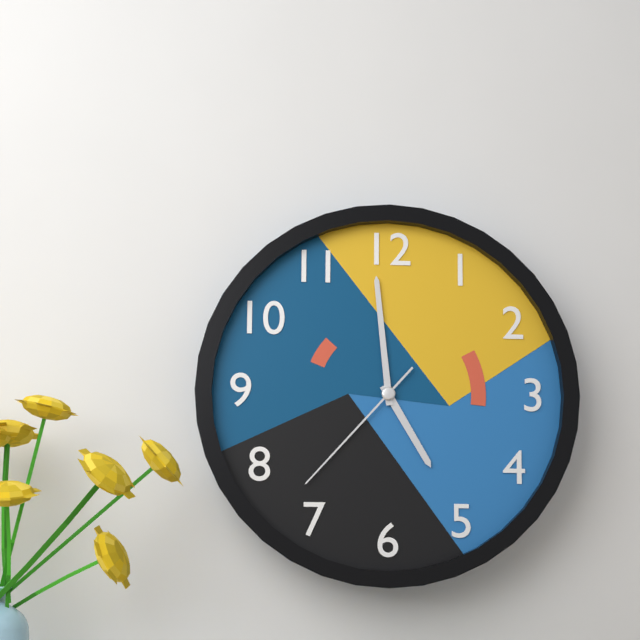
4.59.37
